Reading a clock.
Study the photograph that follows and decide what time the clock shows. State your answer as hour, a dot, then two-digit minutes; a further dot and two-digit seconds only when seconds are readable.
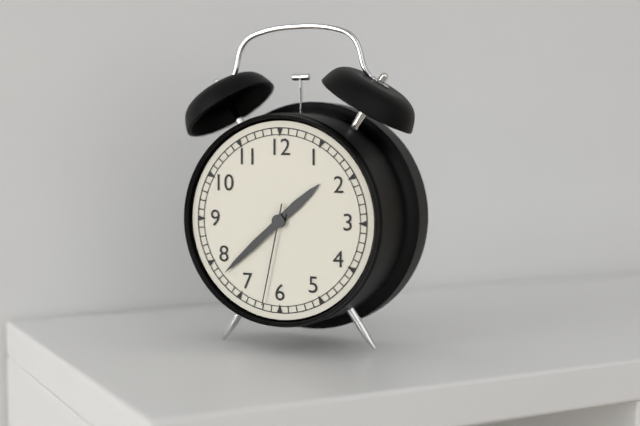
1.38.32
